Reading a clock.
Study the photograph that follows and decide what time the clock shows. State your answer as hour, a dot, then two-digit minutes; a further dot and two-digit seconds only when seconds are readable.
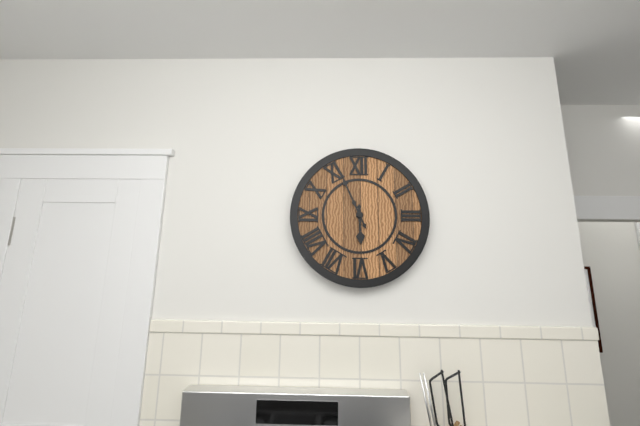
5.56
